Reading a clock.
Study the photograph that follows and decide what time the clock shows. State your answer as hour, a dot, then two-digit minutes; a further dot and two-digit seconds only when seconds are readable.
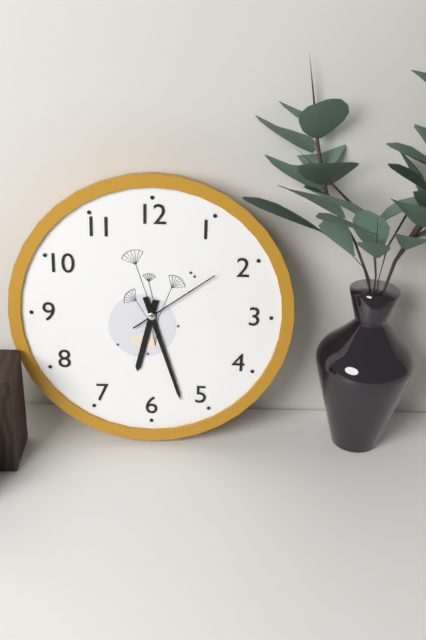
6.27.09
